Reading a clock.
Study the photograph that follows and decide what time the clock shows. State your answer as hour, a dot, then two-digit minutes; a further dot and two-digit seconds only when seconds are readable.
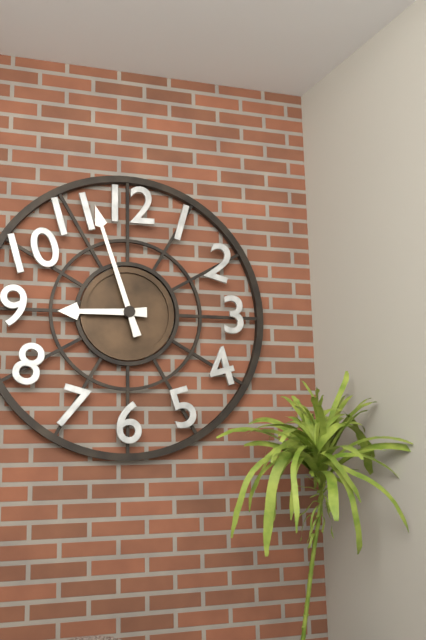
8.57
